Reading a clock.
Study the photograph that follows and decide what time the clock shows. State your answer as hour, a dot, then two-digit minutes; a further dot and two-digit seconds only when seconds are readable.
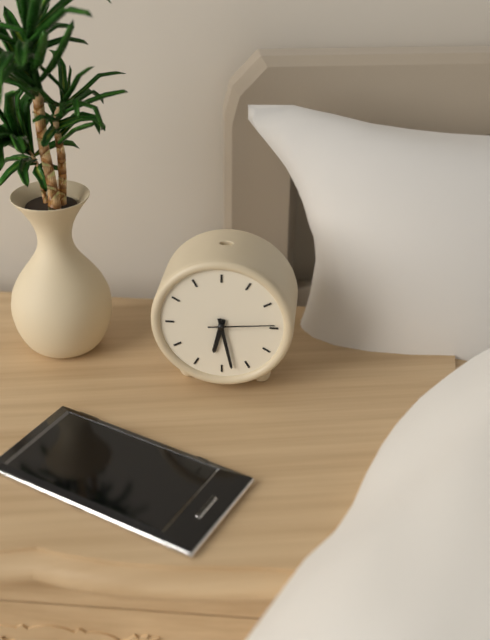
6.28.14
